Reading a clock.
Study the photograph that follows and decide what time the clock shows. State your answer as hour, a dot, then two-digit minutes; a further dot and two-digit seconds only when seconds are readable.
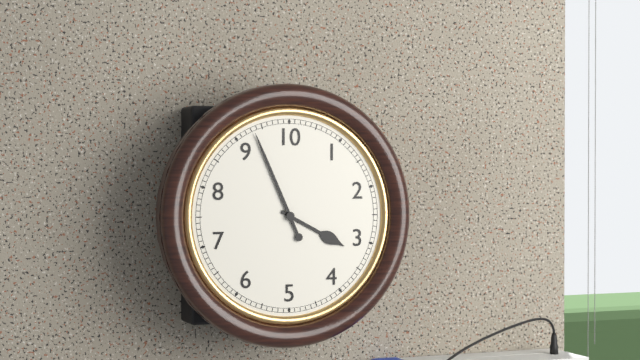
3.56
